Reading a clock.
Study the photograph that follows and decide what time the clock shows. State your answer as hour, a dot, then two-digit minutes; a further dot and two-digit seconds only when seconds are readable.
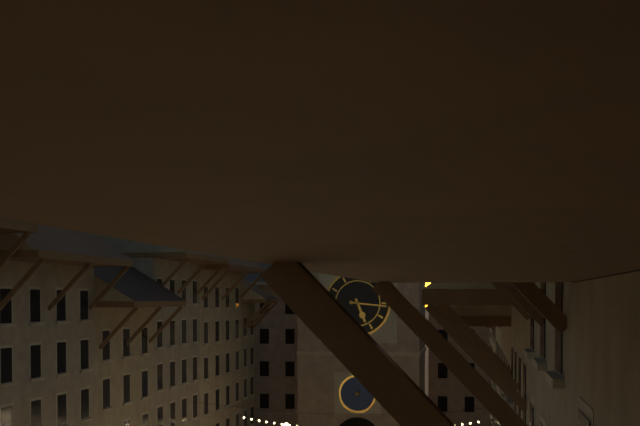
5.16
